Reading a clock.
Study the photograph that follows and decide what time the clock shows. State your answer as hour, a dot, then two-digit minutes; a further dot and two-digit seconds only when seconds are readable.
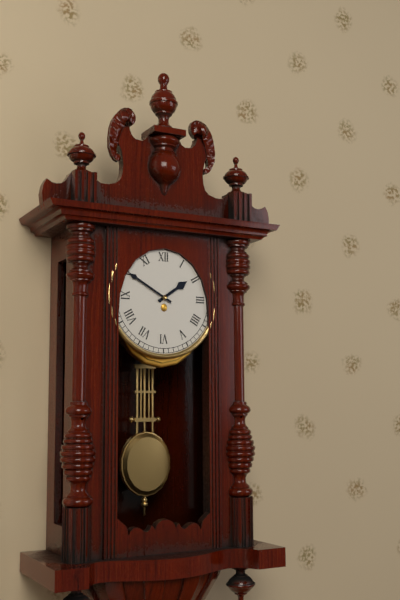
1.50
